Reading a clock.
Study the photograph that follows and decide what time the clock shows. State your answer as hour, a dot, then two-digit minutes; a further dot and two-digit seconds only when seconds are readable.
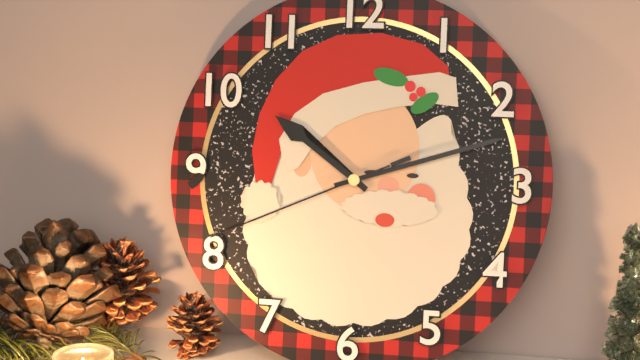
10.12.41
